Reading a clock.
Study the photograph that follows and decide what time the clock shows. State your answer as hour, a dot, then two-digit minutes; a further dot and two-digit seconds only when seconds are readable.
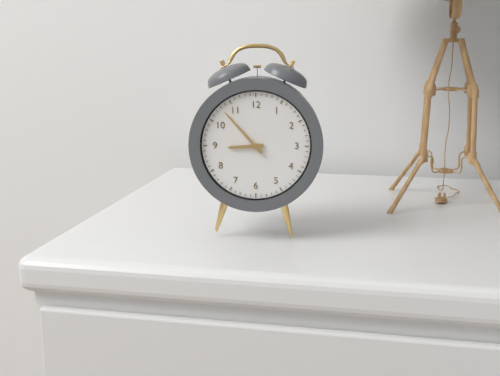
8.53
